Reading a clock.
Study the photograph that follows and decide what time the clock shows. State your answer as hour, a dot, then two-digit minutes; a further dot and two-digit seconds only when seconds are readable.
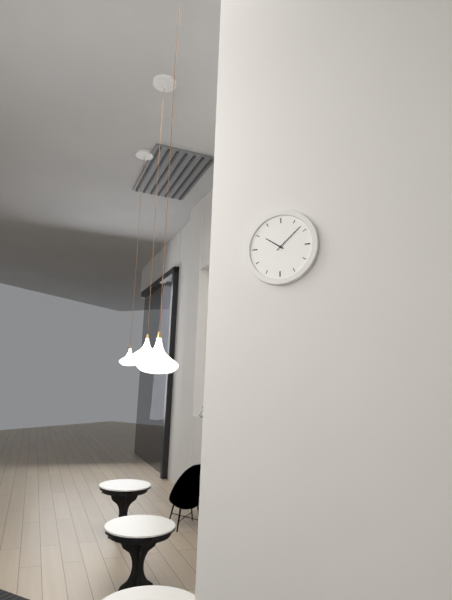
10.08
